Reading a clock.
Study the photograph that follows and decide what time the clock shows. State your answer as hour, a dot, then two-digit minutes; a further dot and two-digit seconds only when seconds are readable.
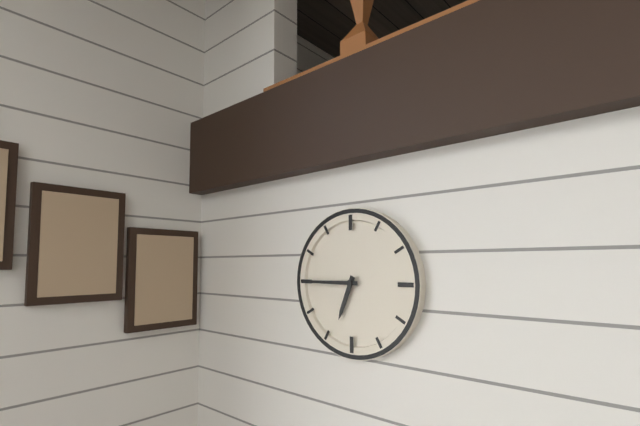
6.45
